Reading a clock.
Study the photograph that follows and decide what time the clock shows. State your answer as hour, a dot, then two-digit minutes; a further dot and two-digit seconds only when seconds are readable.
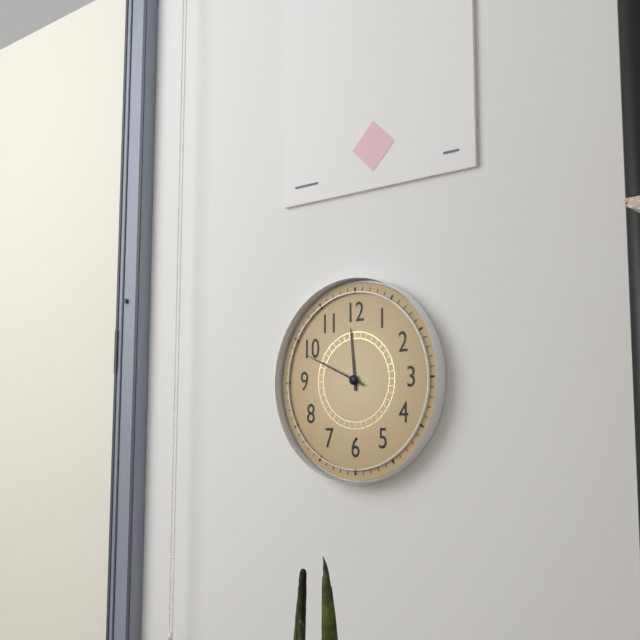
11.49
